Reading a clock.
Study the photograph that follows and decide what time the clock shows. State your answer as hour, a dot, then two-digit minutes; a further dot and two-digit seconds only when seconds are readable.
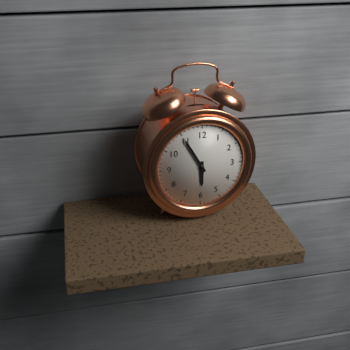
5.55
